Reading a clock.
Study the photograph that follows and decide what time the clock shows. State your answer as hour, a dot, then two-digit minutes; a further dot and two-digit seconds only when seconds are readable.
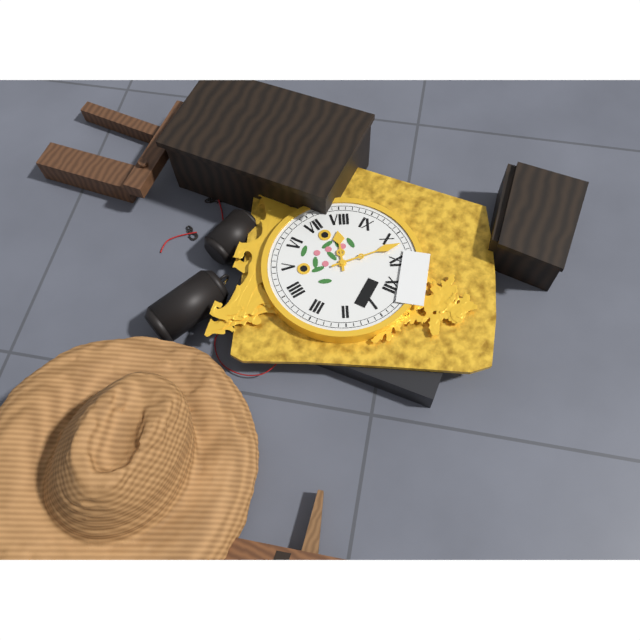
7.52
